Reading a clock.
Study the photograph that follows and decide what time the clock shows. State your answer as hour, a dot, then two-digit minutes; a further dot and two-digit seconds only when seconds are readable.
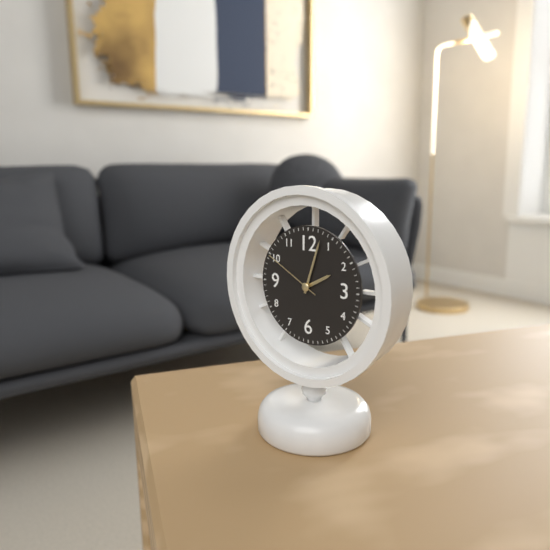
2.03.50
